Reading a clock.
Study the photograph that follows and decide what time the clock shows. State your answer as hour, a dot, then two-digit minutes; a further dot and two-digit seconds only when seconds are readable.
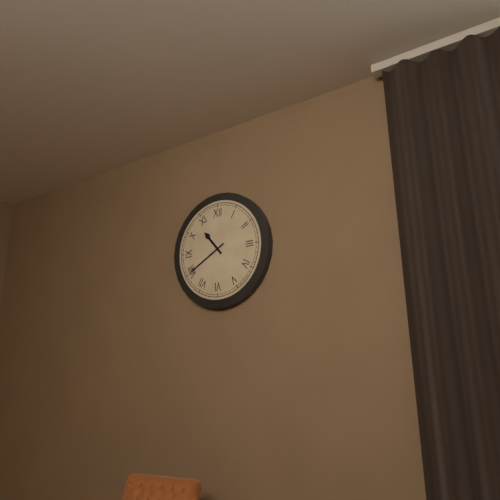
10.40
